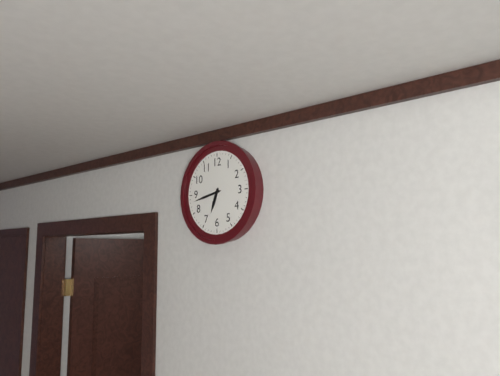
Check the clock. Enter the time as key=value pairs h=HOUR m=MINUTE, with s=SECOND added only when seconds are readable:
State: h=6 m=43
